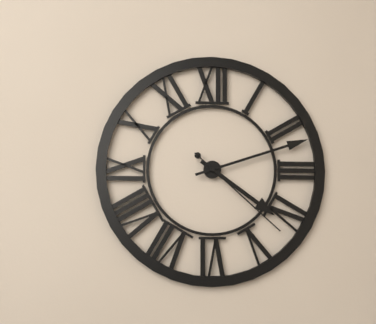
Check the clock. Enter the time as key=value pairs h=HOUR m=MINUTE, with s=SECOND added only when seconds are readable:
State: h=4 m=12 s=22
